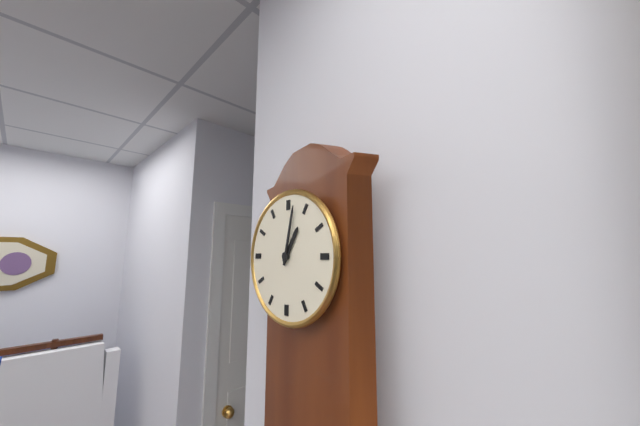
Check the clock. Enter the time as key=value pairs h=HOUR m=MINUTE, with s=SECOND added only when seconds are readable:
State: h=1 m=2
